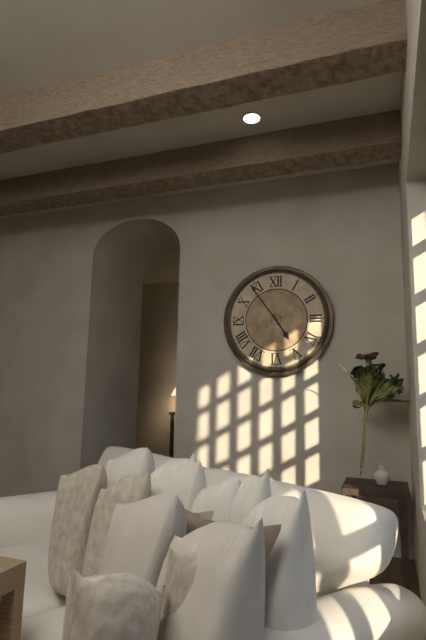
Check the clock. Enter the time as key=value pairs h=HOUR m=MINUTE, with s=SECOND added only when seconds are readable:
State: h=4 m=54
